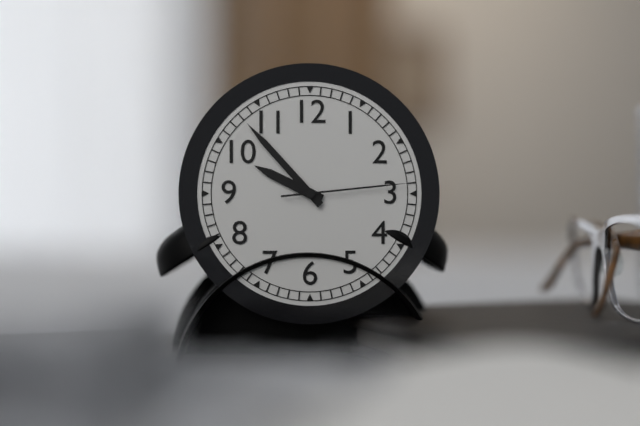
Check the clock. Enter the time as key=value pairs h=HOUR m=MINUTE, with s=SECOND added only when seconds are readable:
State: h=9 m=53 s=14
